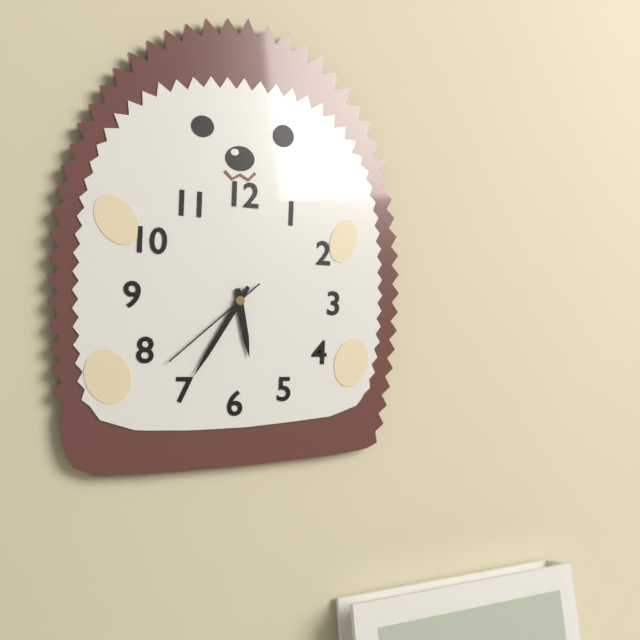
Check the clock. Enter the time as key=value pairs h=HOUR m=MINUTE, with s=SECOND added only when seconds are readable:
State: h=5 m=35 s=38
